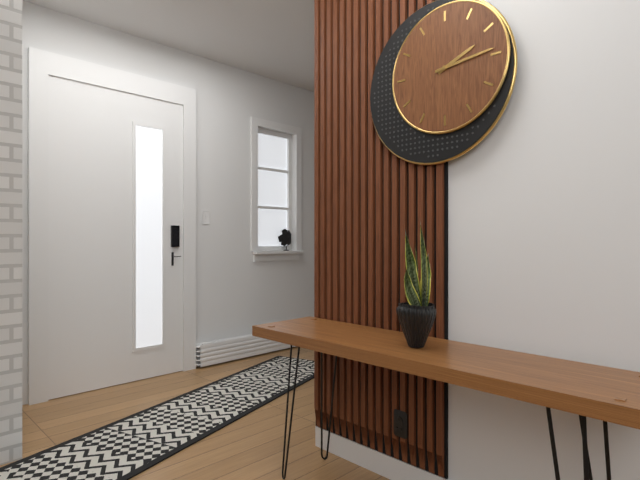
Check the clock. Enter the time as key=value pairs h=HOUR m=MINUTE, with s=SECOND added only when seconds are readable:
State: h=2 m=14
